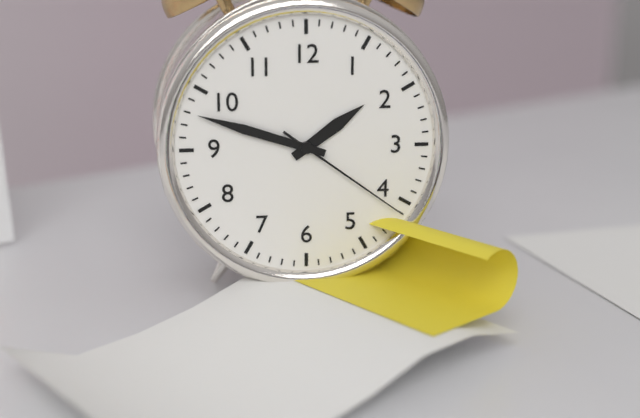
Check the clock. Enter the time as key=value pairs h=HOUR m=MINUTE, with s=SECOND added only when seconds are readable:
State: h=1 m=48 s=21
